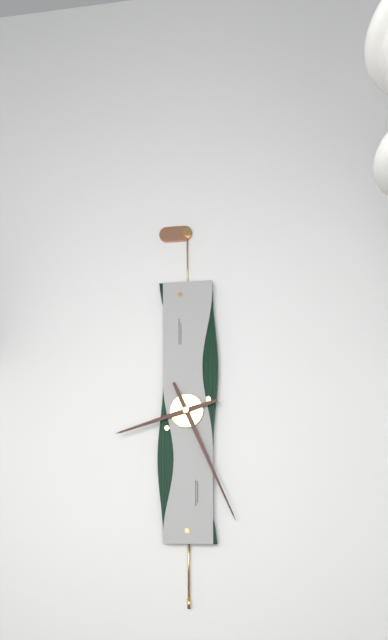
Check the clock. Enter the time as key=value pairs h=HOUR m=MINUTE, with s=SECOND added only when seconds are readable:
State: h=8 m=26
